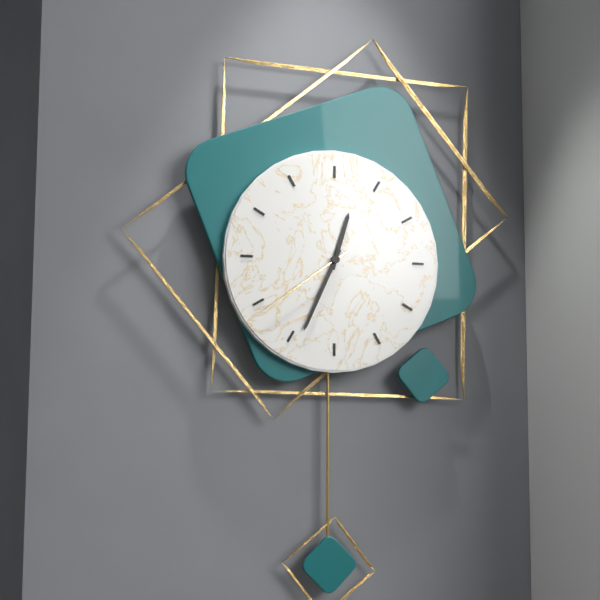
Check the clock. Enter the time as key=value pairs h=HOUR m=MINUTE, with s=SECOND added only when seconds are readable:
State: h=12 m=34 s=39
